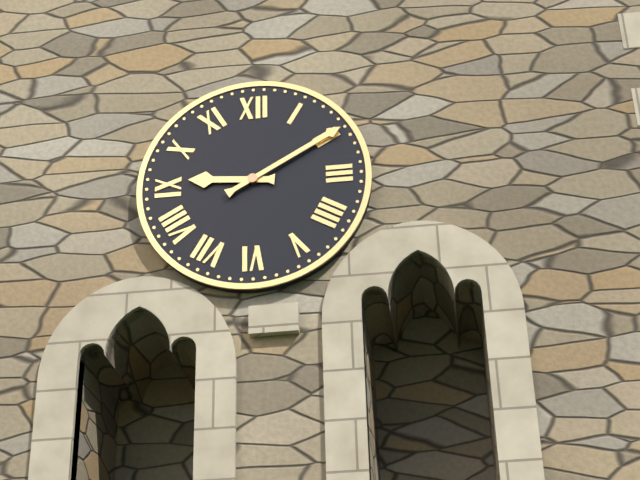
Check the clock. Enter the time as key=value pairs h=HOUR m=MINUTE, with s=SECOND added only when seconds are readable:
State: h=9 m=10
